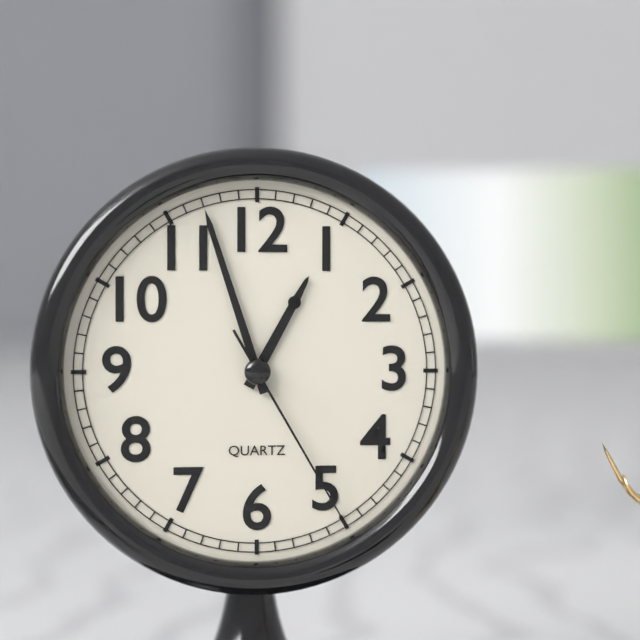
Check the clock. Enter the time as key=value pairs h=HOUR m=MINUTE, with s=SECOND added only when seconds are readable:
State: h=12 m=57 s=25
